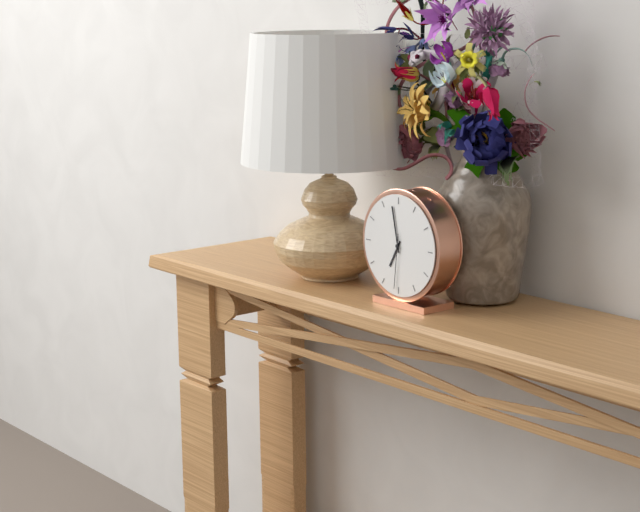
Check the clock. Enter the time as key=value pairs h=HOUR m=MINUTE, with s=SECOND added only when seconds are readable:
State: h=6 m=58 s=31
